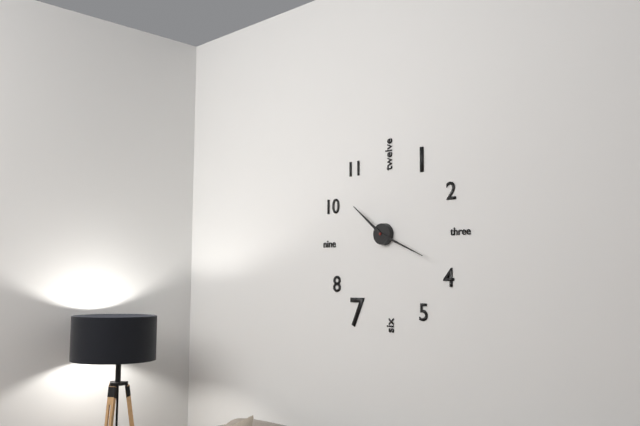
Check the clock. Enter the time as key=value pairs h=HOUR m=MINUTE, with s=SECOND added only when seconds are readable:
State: h=10 m=19
